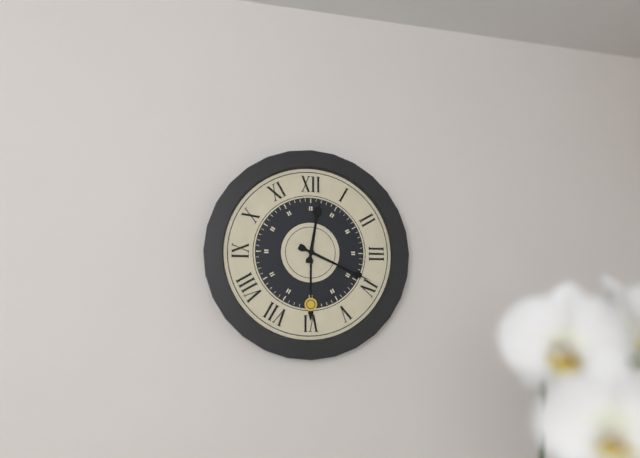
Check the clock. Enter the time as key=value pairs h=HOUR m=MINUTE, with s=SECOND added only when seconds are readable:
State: h=12 m=19
